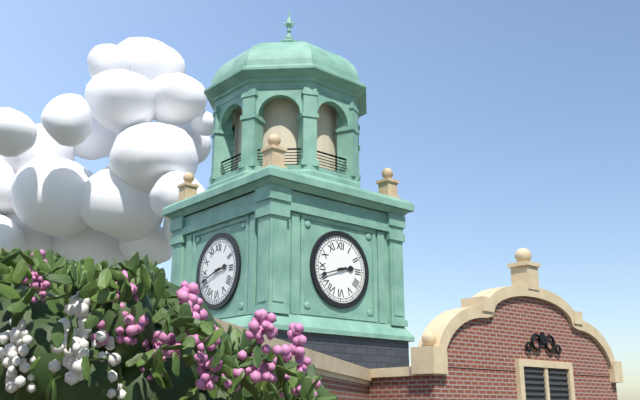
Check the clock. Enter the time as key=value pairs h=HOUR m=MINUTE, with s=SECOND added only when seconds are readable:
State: h=2 m=42
